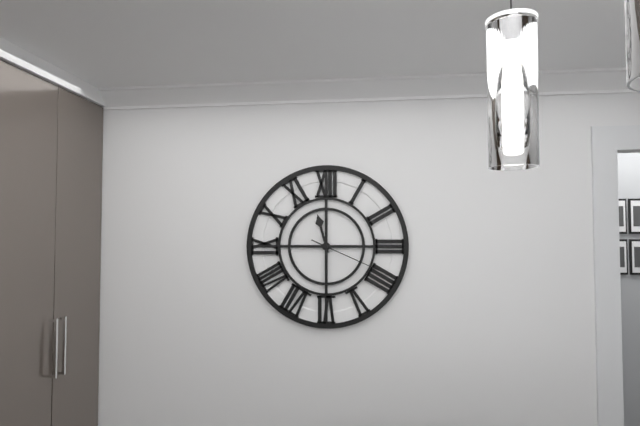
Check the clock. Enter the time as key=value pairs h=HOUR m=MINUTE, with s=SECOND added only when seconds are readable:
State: h=11 m=30 s=19
